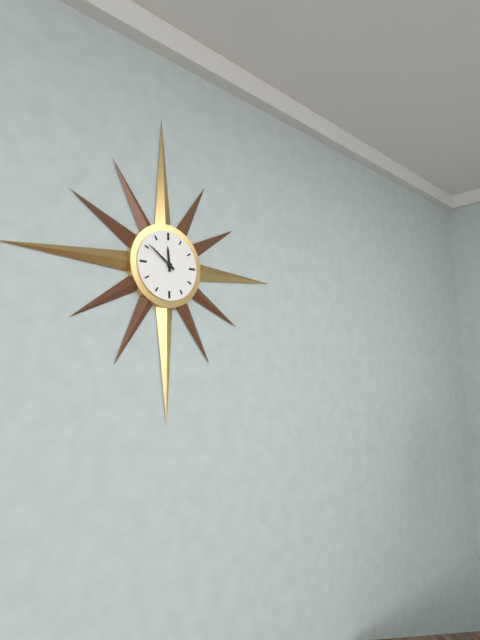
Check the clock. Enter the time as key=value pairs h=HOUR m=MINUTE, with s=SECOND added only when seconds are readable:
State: h=11 m=51
